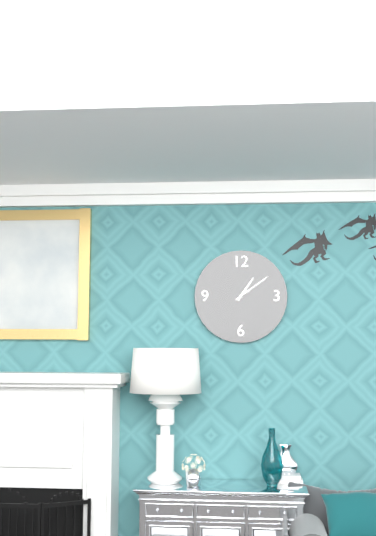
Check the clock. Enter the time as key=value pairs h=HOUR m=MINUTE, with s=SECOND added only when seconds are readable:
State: h=1 m=9
